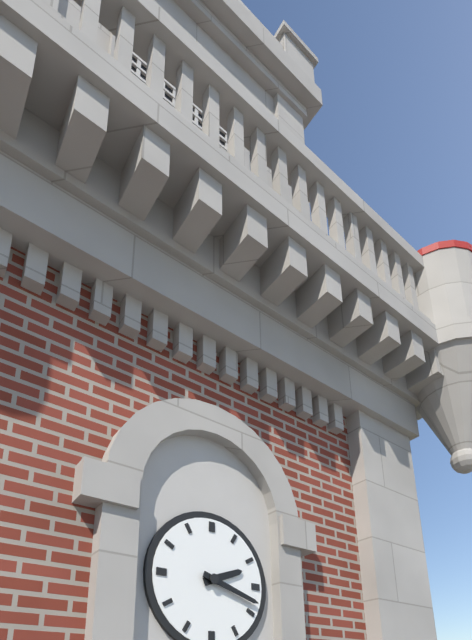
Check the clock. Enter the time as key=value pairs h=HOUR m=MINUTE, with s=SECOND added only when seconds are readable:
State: h=2 m=18
